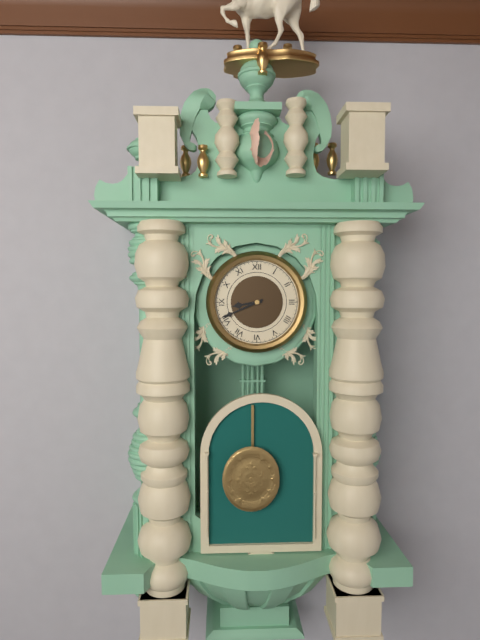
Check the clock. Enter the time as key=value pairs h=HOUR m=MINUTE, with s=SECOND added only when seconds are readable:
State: h=8 m=41
